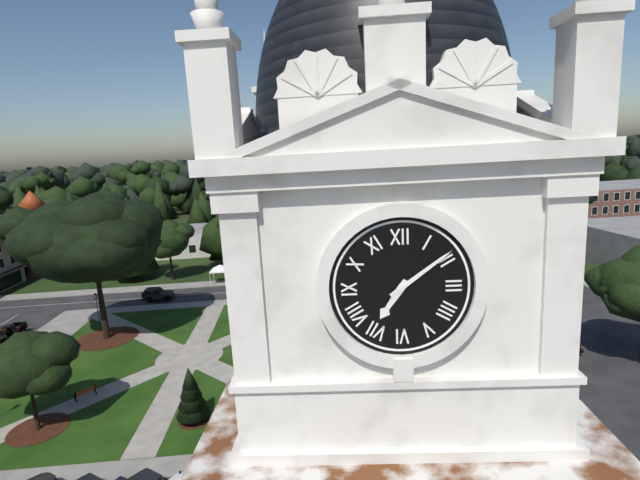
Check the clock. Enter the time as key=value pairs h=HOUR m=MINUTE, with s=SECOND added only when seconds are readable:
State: h=7 m=9
